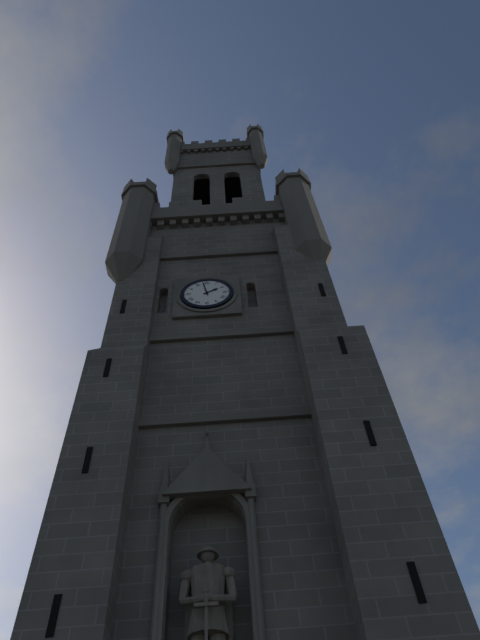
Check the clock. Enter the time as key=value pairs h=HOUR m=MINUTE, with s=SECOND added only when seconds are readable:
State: h=1 m=58
